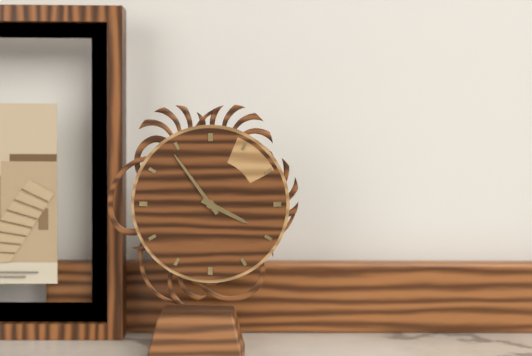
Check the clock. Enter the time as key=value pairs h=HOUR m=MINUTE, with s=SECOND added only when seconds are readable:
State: h=3 m=54
